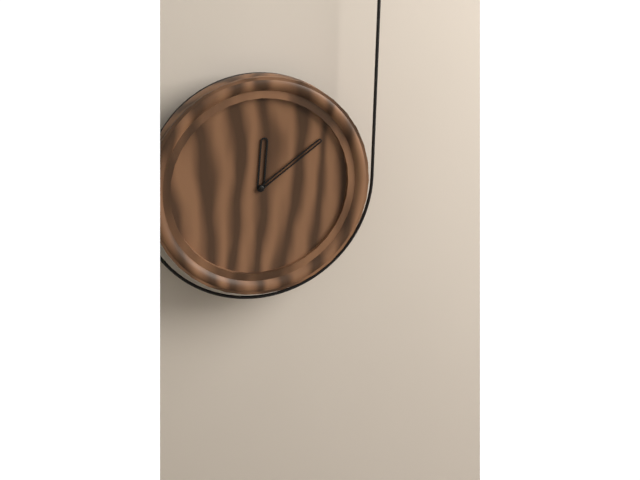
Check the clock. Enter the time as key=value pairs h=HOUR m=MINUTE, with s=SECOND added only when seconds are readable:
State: h=12 m=9
